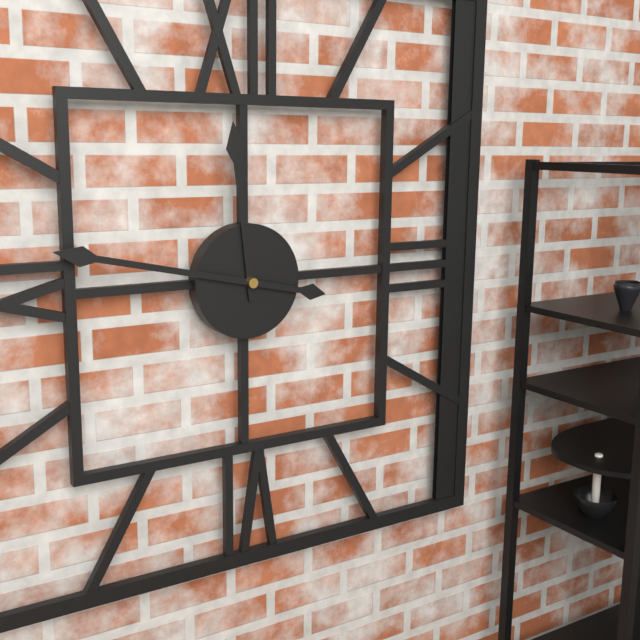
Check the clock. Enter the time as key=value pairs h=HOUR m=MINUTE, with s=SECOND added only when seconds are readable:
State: h=11 m=47
